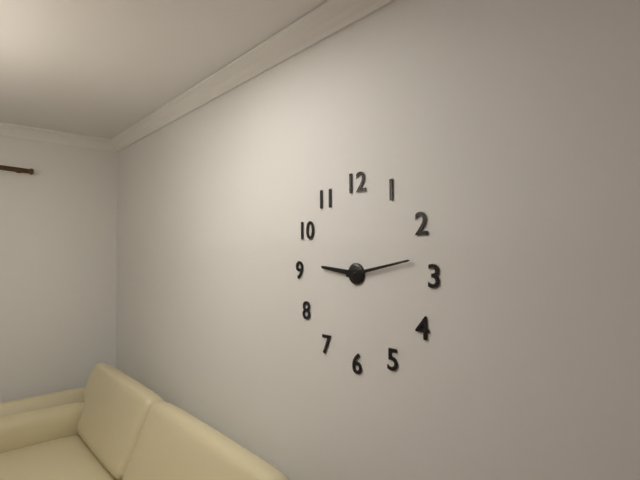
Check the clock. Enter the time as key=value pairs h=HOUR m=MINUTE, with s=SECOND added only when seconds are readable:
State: h=9 m=13
